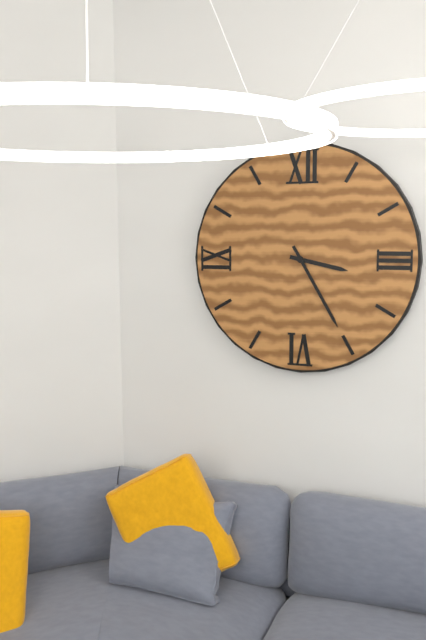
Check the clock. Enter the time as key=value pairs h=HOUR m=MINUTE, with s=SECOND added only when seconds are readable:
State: h=3 m=25
